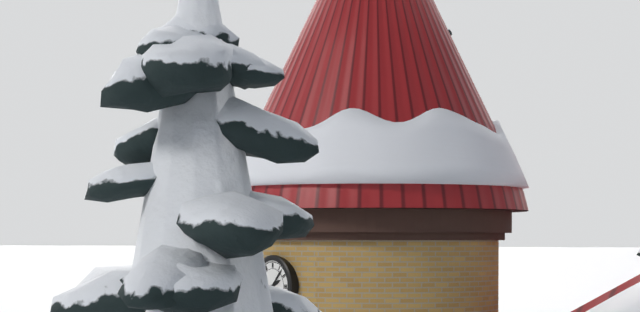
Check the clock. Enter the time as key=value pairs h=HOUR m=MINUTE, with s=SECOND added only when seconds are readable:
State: h=2 m=7
